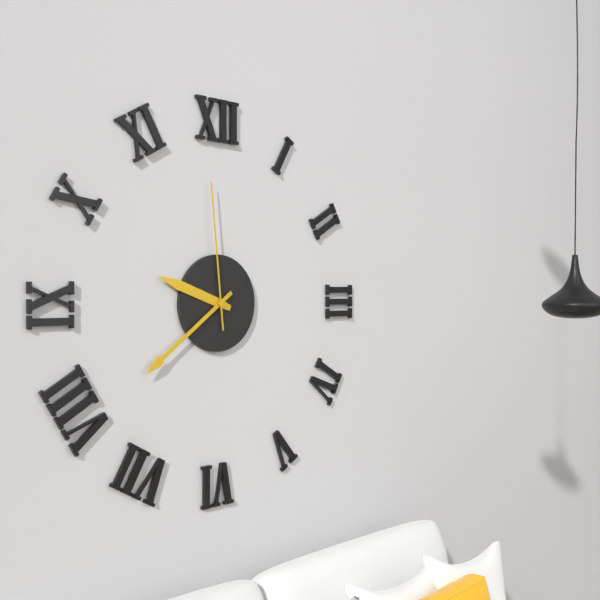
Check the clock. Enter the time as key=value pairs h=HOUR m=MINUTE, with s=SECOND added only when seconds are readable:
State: h=9 m=39 s=59
